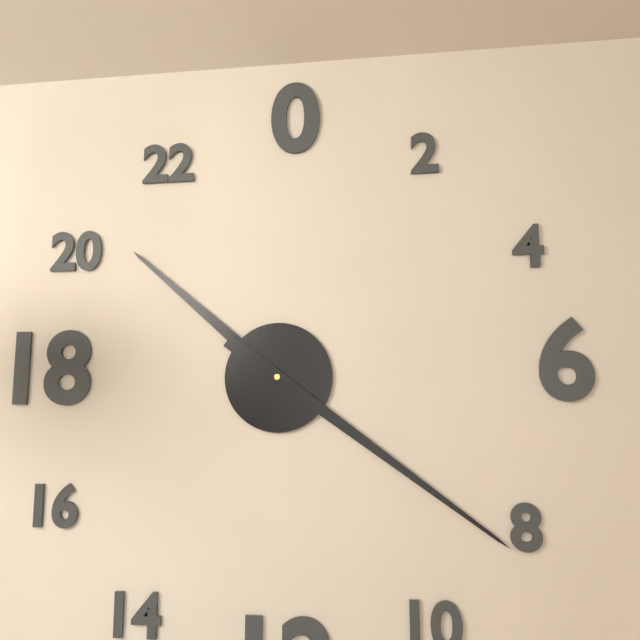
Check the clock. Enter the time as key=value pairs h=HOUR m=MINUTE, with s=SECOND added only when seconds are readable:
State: h=10 m=21
